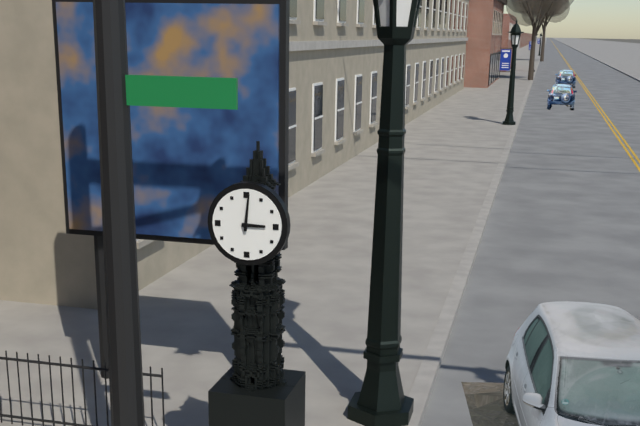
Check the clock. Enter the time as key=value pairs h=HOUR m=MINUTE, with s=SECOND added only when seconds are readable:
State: h=3 m=1
